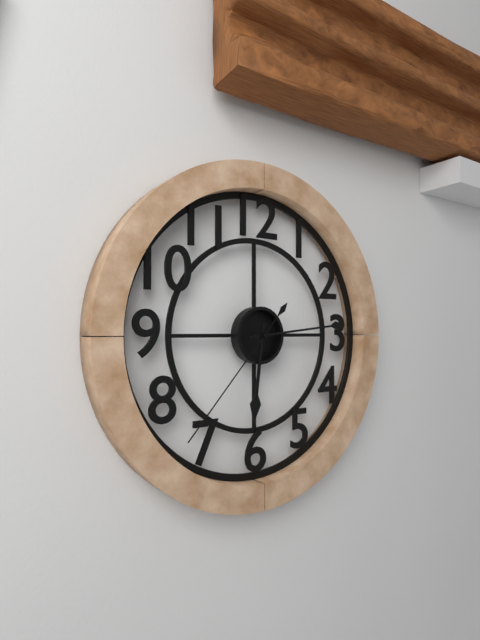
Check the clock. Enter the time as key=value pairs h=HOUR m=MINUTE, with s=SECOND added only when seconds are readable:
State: h=6 m=14 s=37
